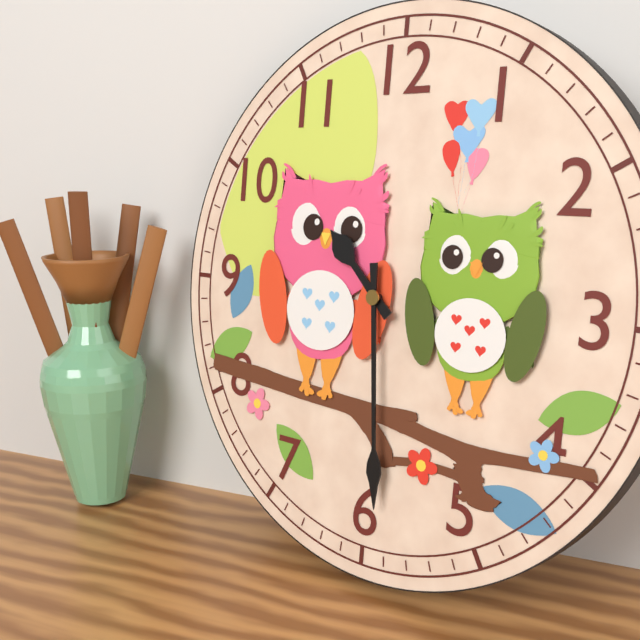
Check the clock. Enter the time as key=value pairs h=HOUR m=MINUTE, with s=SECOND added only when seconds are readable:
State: h=10 m=29
